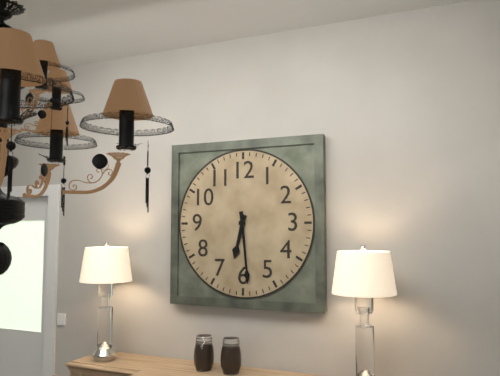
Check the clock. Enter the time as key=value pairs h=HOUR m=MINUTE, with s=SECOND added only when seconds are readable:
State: h=6 m=29
